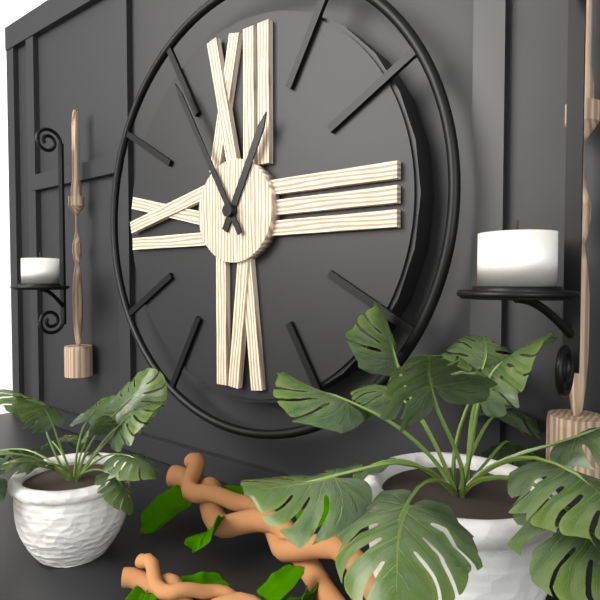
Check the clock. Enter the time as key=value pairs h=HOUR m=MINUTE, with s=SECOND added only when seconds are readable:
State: h=12 m=55
